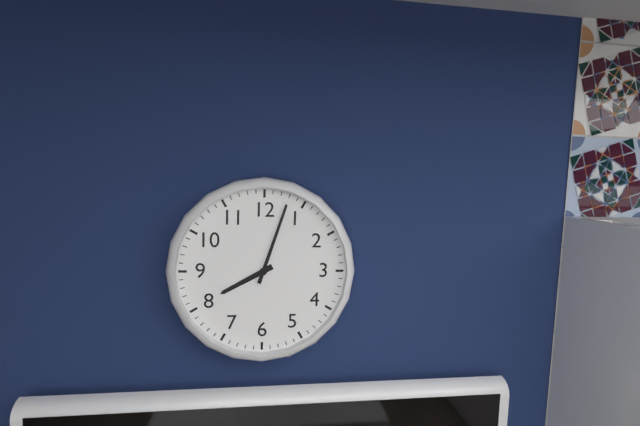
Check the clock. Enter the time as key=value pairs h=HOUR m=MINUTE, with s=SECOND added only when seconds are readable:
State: h=8 m=3
